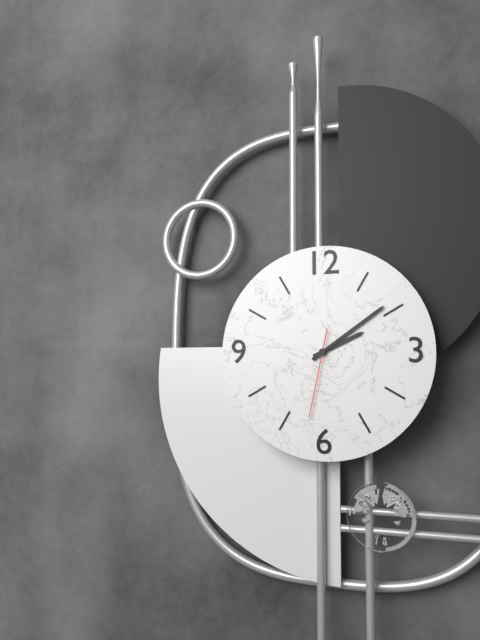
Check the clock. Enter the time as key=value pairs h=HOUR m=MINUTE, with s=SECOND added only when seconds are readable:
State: h=2 m=9 s=32
